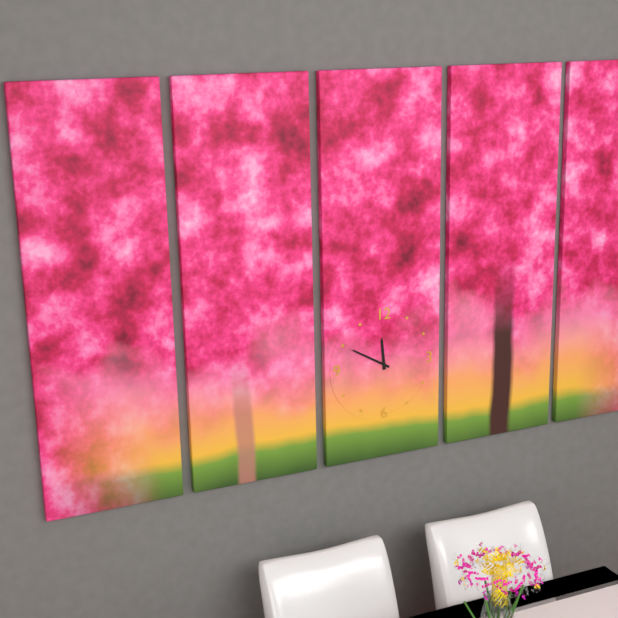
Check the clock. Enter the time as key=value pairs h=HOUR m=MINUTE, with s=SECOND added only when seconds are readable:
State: h=11 m=50
